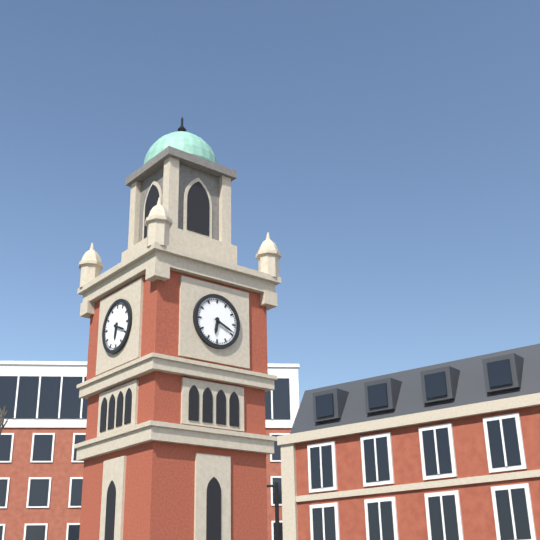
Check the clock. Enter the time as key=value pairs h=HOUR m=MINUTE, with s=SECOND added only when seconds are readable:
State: h=6 m=19
